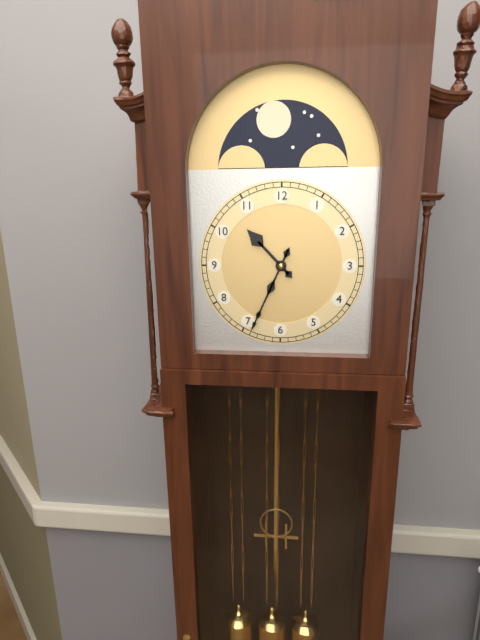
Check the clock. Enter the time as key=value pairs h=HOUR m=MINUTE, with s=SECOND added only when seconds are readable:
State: h=10 m=34
